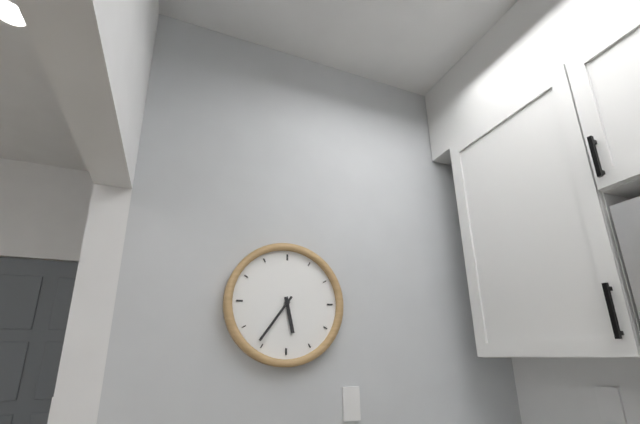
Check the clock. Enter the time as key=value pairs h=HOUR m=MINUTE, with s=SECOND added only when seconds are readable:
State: h=5 m=36
